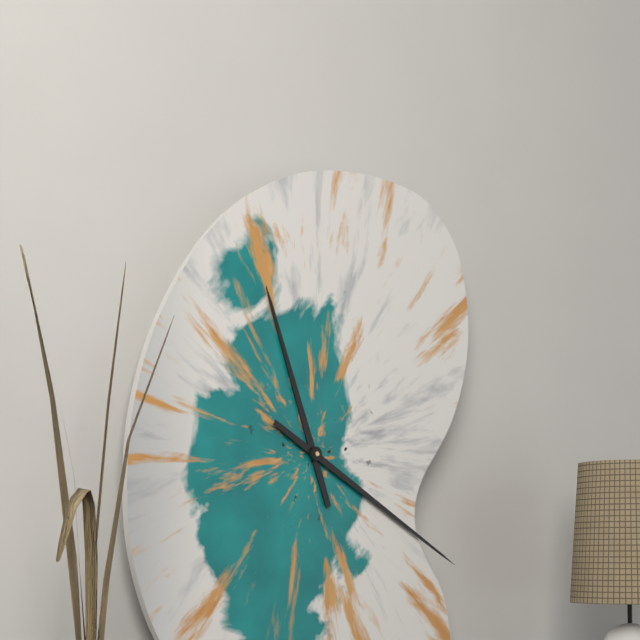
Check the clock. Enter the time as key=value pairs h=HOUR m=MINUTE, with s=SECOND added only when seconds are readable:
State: h=11 m=20
